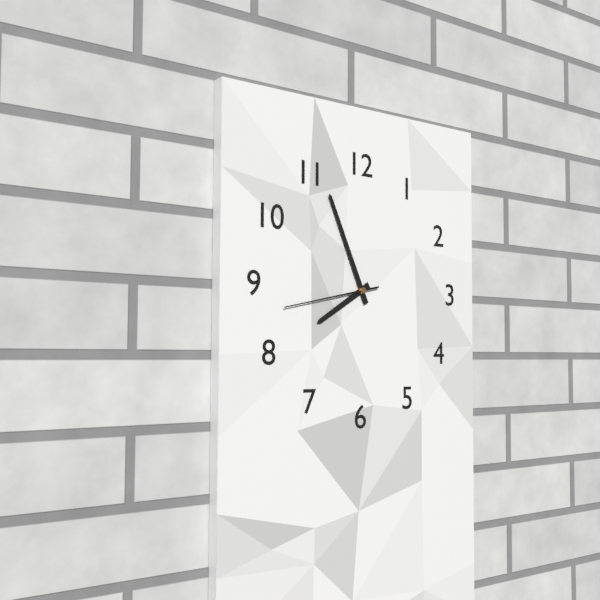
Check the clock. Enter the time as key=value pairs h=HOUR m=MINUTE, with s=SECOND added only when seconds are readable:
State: h=7 m=56 s=43
